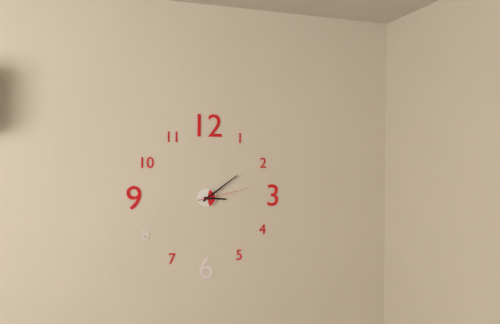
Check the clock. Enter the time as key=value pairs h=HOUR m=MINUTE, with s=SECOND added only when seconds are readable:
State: h=3 m=9 s=13
